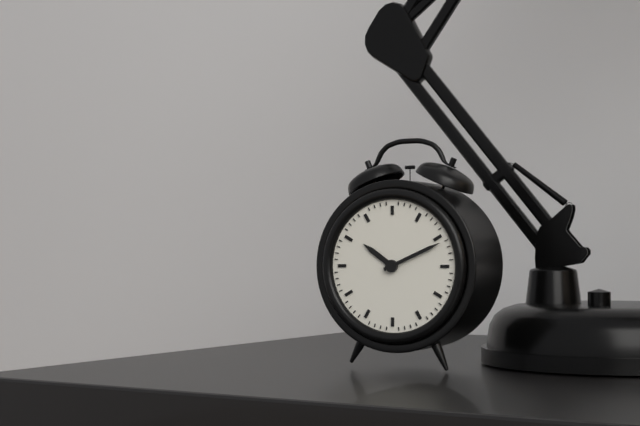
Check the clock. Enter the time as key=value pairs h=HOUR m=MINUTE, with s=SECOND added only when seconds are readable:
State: h=10 m=11
